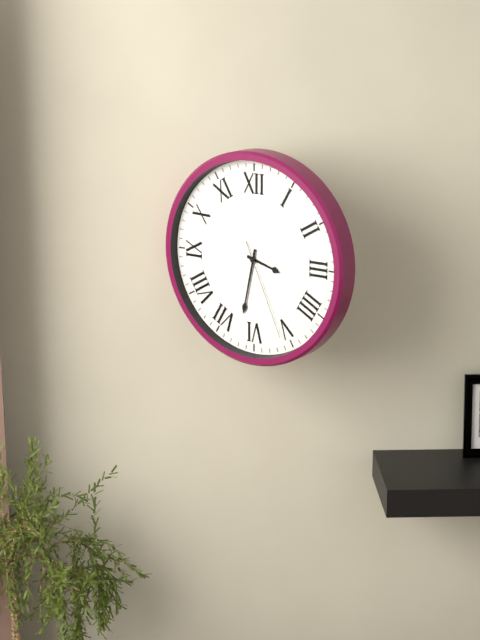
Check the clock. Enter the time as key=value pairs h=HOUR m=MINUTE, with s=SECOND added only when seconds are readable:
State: h=3 m=32 s=26
